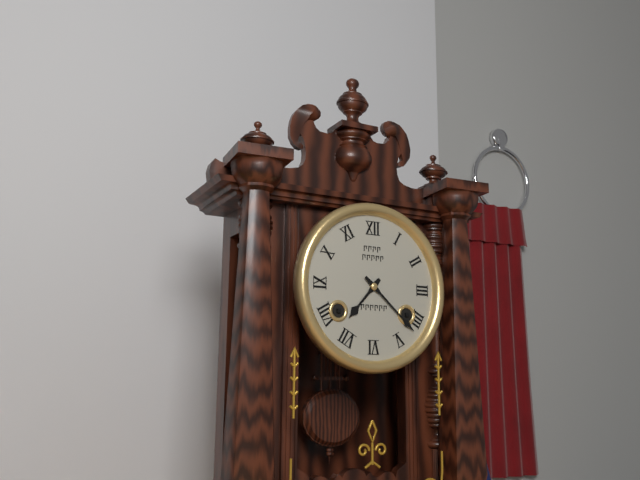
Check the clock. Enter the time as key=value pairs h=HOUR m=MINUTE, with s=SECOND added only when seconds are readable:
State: h=7 m=22
